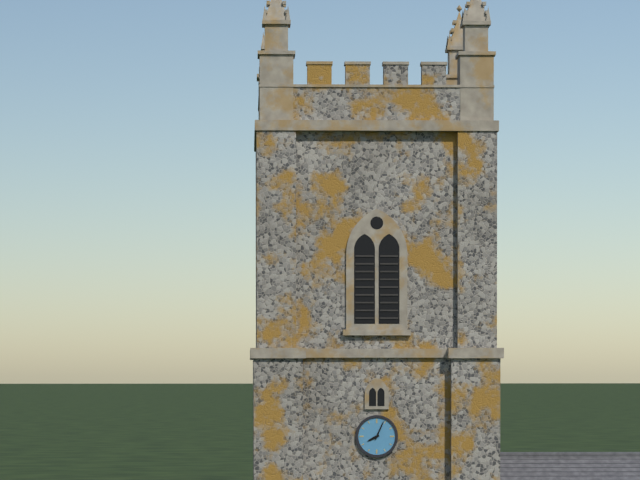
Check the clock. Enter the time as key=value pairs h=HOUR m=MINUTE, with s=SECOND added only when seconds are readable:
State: h=8 m=4
